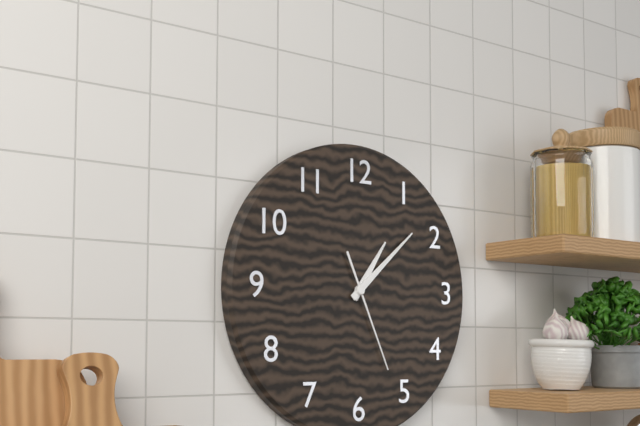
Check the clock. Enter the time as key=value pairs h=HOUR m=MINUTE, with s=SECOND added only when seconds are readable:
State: h=1 m=8 s=26
